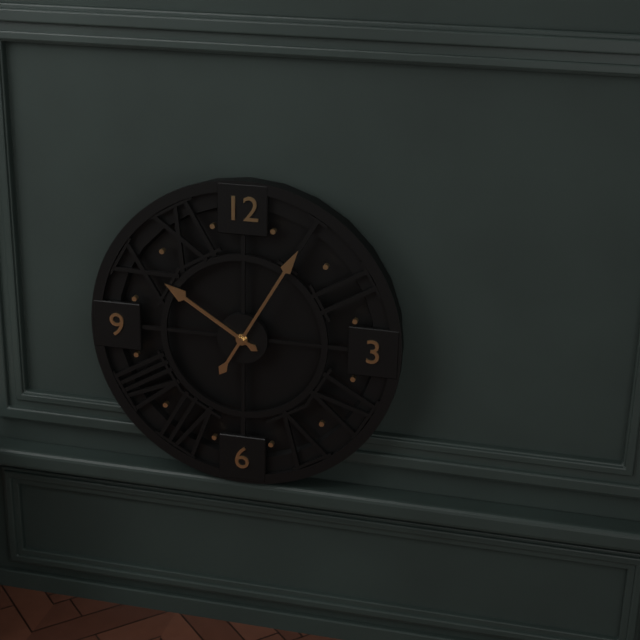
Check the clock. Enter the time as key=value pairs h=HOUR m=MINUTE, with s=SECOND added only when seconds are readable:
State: h=10 m=5
